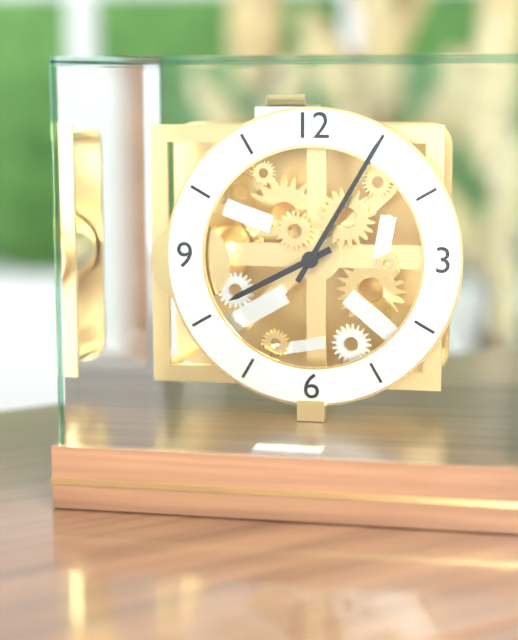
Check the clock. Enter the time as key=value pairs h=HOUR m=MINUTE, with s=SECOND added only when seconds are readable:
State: h=8 m=5
